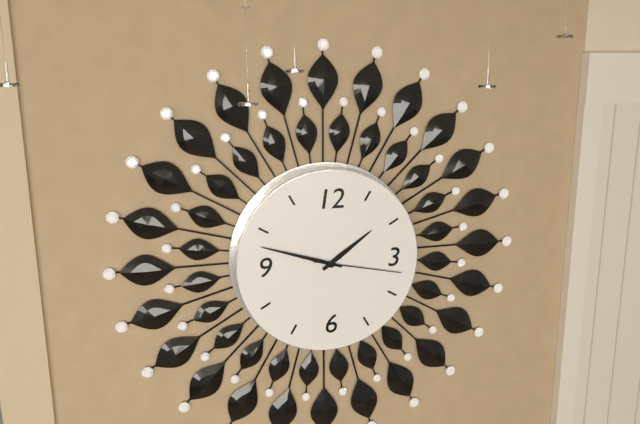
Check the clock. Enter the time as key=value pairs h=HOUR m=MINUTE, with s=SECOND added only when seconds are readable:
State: h=1 m=48 s=17
